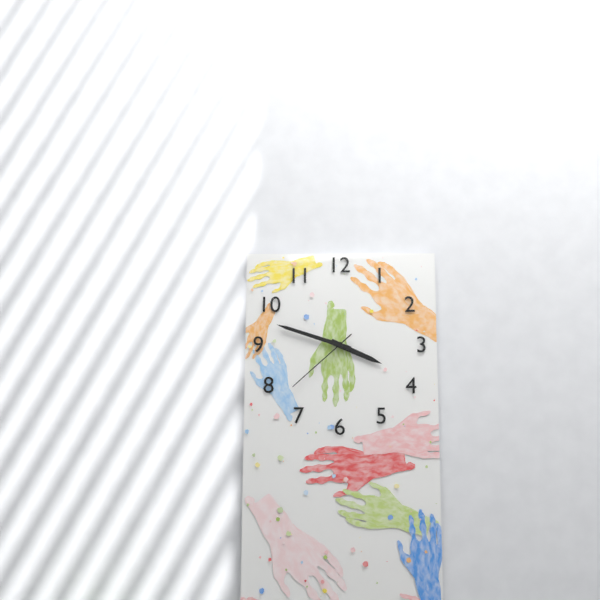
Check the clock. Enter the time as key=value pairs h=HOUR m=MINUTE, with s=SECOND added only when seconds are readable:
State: h=3 m=48 s=38
